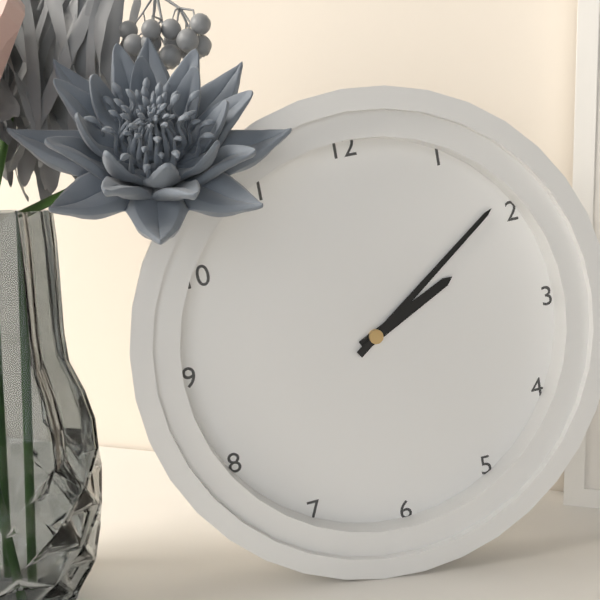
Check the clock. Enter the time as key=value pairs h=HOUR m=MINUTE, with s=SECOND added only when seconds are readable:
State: h=2 m=9
